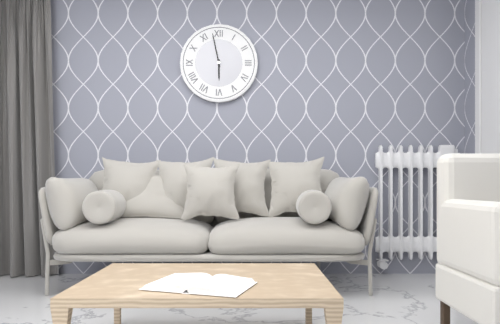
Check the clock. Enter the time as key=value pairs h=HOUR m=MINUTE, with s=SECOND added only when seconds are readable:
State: h=5 m=58
